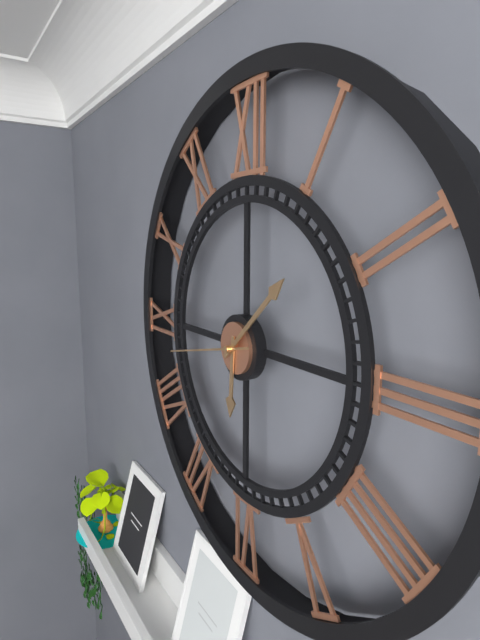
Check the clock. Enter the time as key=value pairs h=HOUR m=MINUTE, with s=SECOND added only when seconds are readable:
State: h=6 m=8 s=43
